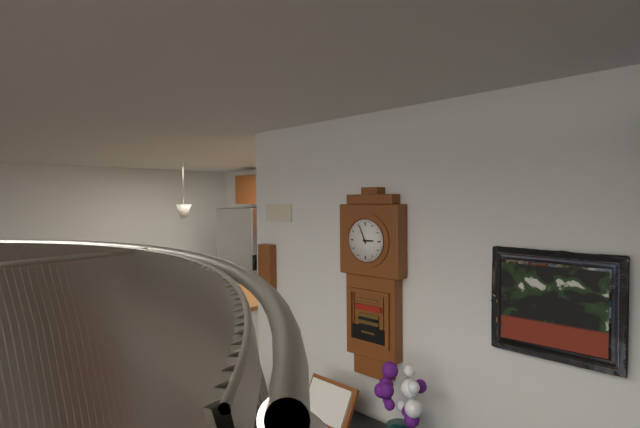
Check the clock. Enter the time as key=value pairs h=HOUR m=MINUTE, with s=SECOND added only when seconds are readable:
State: h=2 m=56
